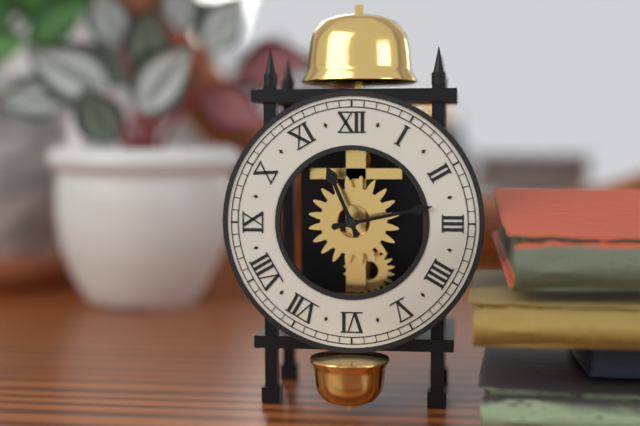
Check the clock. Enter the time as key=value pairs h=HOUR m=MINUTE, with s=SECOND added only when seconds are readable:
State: h=11 m=13
